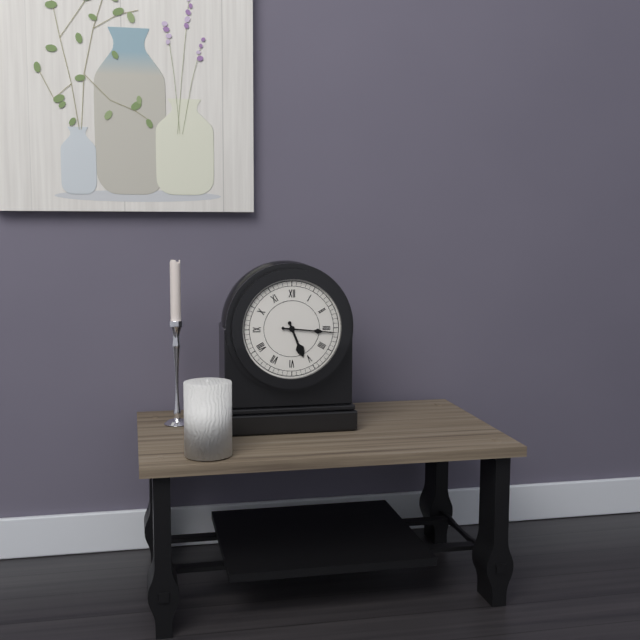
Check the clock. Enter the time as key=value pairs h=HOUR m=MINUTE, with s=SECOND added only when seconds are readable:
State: h=5 m=16
